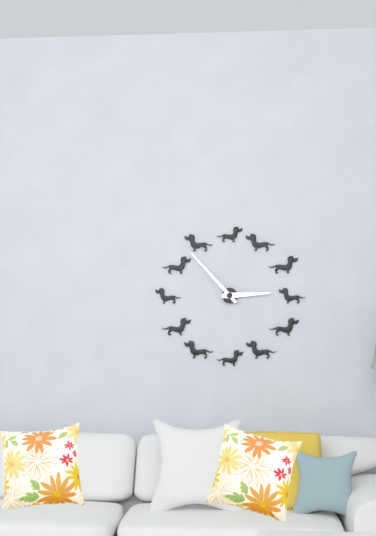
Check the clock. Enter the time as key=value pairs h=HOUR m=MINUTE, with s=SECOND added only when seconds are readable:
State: h=2 m=53
